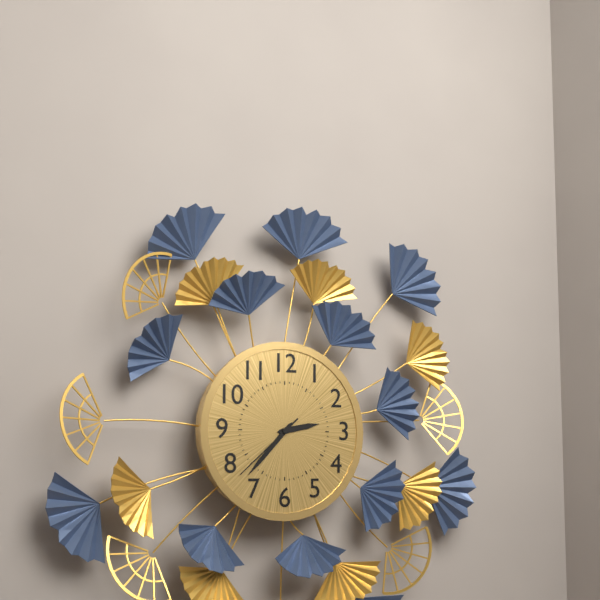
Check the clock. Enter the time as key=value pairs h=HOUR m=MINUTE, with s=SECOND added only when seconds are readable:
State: h=2 m=37 s=38
